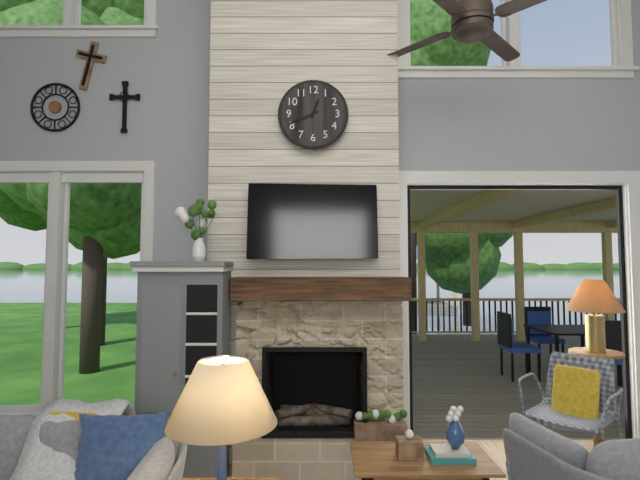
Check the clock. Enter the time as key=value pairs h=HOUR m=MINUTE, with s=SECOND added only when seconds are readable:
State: h=12 m=41
